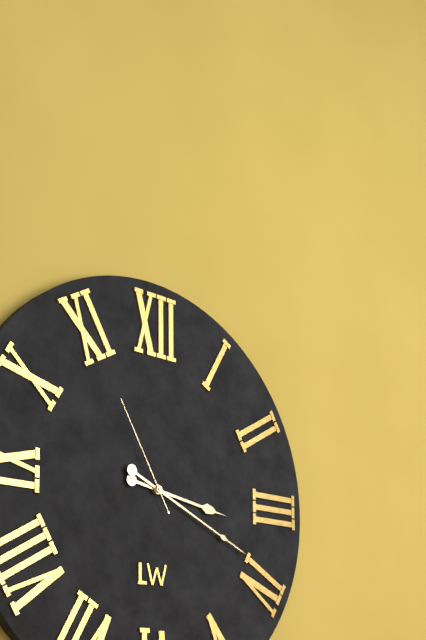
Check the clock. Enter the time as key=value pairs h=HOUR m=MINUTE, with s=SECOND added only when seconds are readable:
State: h=3 m=19 s=55
